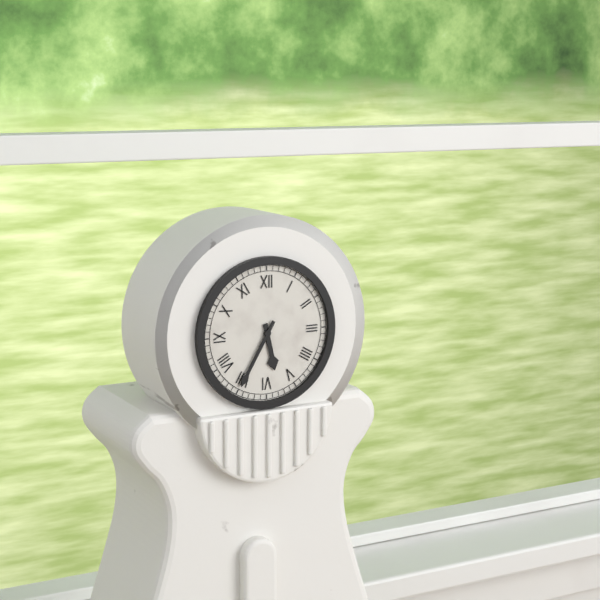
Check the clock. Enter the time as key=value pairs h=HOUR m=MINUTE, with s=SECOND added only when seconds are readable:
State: h=5 m=35
